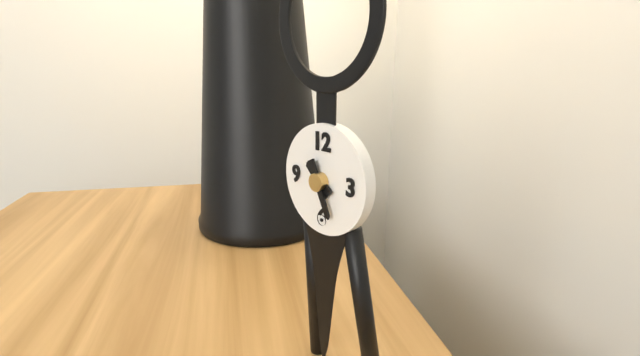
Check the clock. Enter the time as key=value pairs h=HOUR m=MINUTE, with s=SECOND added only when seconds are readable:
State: h=10 m=26
